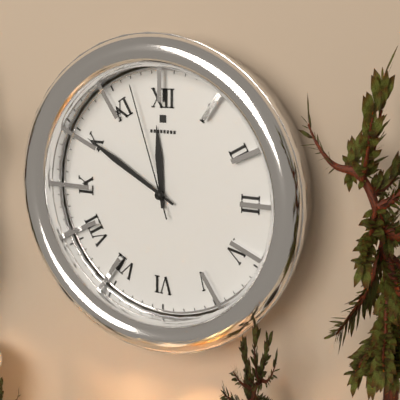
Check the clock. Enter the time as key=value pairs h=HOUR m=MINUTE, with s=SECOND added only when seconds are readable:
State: h=11 m=50 s=57
